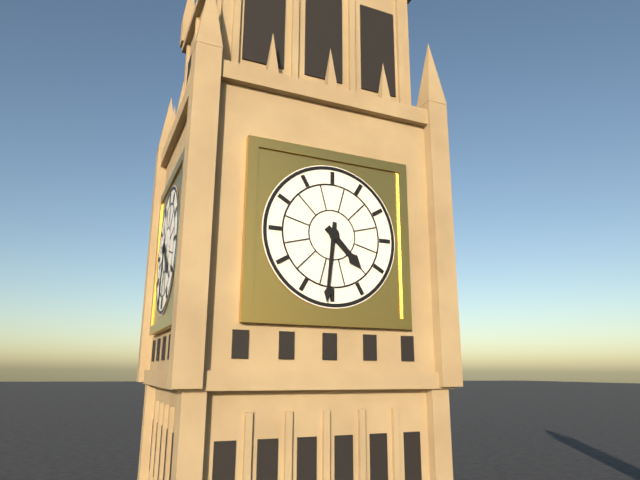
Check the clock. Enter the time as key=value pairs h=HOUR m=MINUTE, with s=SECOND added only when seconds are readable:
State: h=4 m=31
